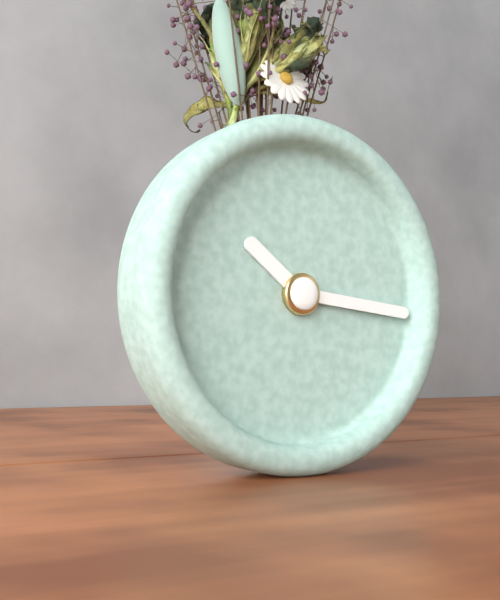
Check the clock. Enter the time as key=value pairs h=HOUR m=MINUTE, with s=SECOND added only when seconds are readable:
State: h=10 m=16
